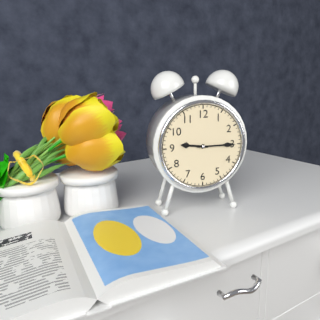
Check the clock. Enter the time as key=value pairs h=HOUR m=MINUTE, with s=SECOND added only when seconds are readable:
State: h=9 m=15
